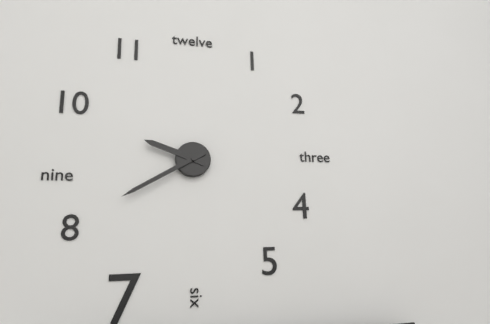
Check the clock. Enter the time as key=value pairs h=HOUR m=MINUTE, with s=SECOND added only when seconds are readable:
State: h=9 m=40
